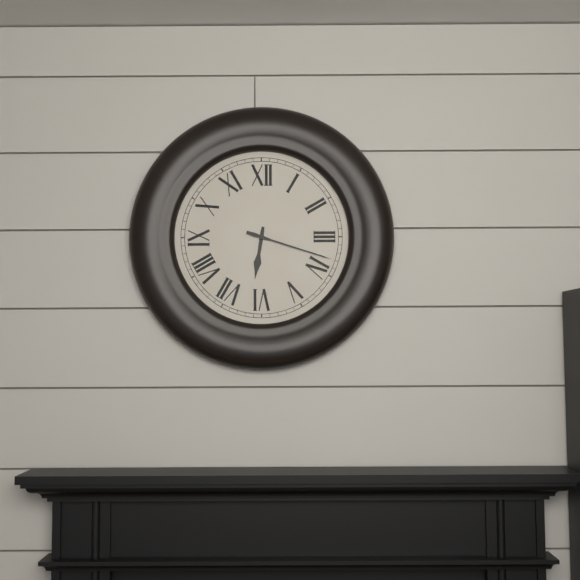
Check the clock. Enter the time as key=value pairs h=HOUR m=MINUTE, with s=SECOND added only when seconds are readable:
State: h=6 m=18
